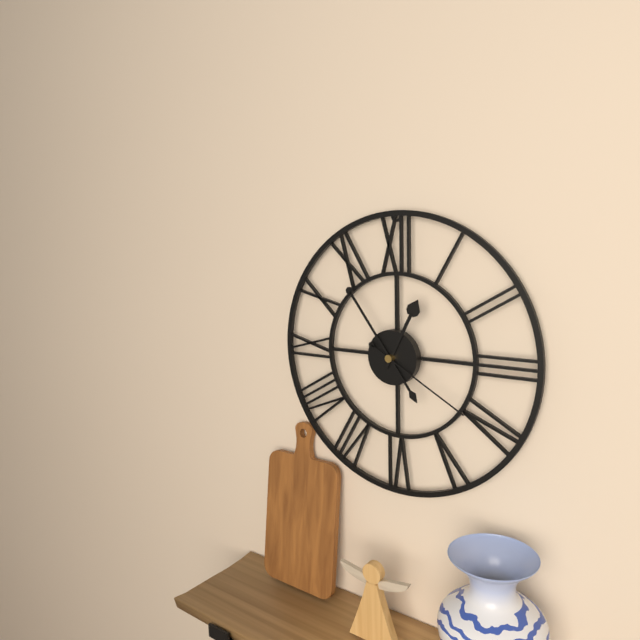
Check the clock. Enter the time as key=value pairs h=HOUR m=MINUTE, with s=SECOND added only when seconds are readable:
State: h=12 m=54 s=20
